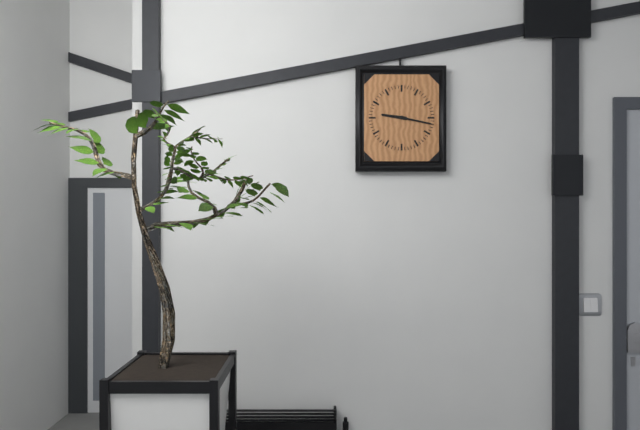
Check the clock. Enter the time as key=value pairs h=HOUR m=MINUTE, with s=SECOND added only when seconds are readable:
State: h=9 m=17
